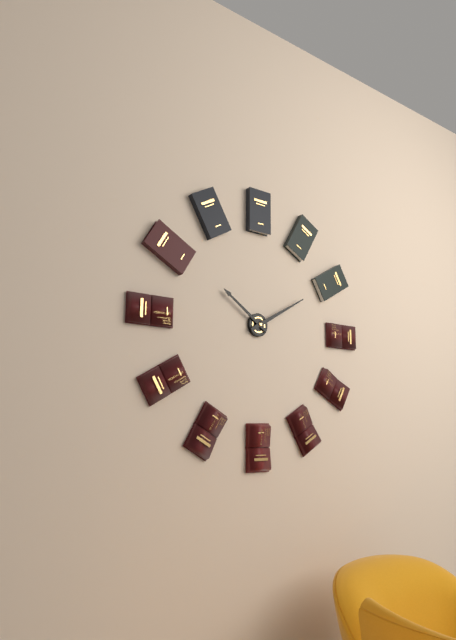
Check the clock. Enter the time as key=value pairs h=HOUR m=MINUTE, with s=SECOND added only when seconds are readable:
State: h=10 m=10
